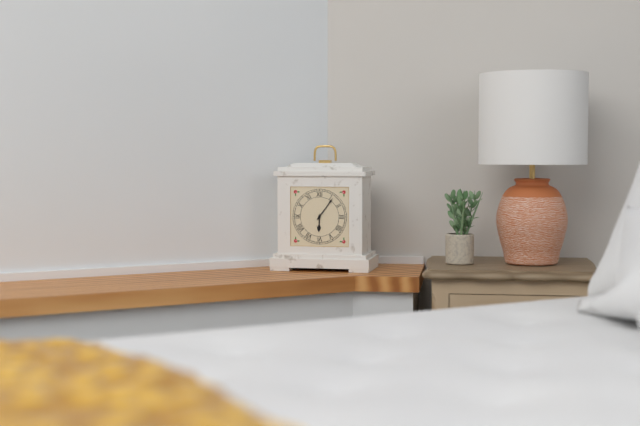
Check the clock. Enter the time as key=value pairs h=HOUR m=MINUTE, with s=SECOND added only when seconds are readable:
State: h=6 m=6
